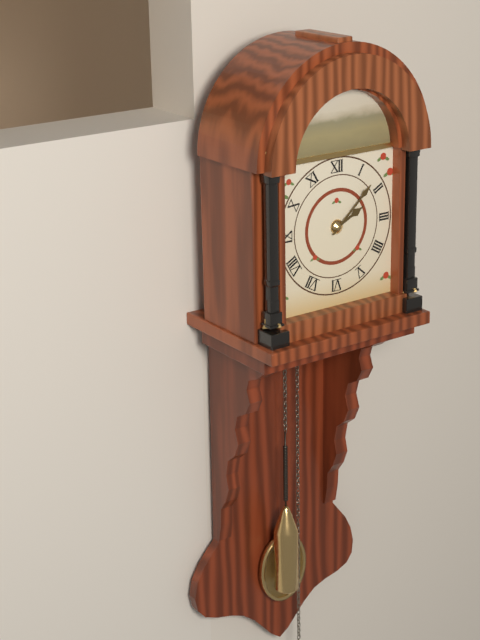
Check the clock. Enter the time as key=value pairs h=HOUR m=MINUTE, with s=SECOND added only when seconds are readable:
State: h=2 m=8
